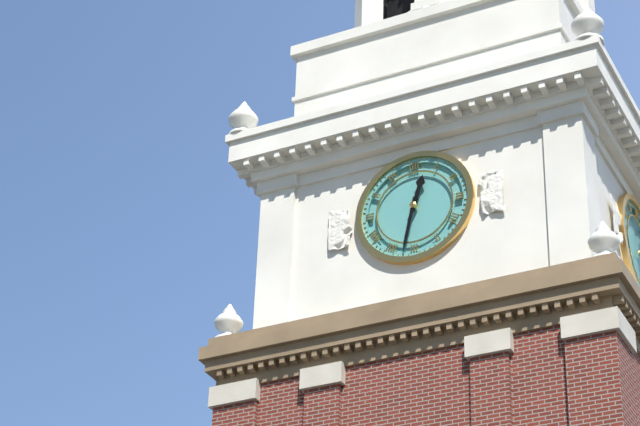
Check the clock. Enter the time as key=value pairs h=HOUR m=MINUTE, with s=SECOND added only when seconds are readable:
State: h=12 m=32
